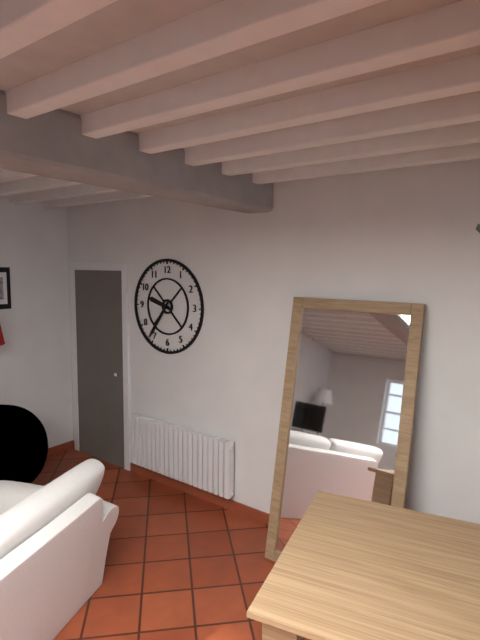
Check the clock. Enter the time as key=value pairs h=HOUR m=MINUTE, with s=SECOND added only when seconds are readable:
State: h=9 m=36
